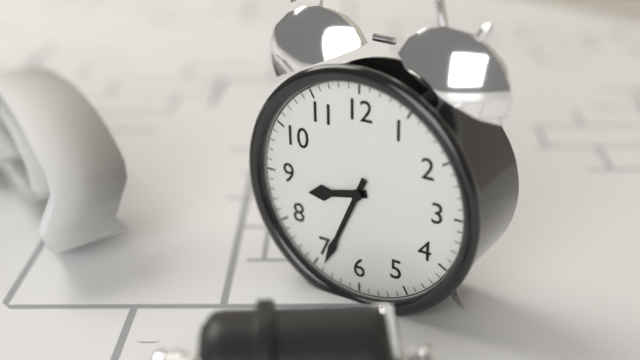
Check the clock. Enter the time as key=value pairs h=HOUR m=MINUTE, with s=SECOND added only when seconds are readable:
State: h=8 m=34
